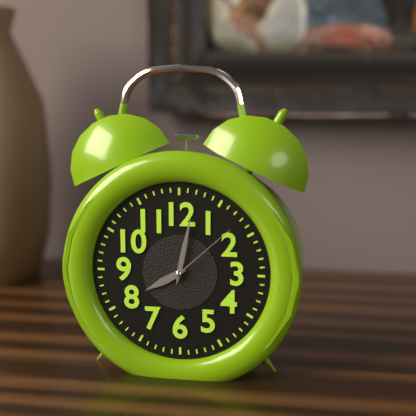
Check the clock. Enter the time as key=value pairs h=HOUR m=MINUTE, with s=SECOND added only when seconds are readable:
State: h=8 m=2 s=8
